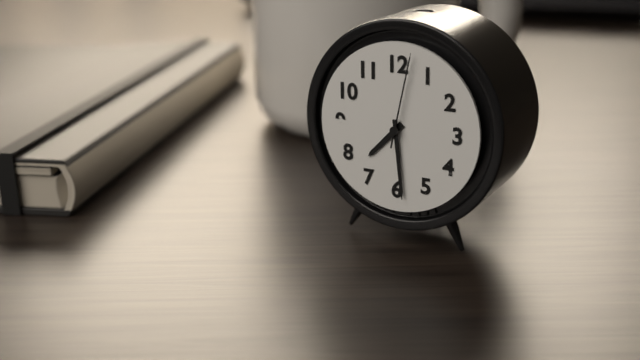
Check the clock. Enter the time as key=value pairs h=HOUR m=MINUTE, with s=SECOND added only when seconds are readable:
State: h=7 m=29 s=2
